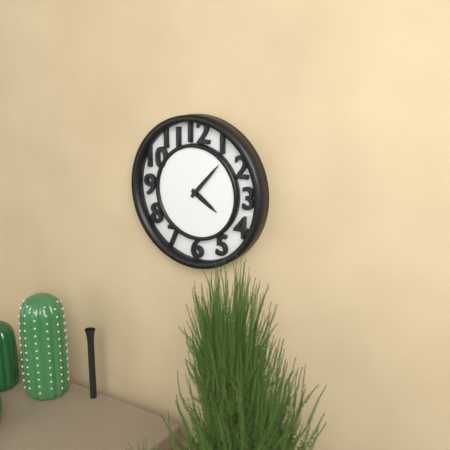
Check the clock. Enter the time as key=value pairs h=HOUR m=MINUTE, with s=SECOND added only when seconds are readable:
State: h=4 m=7
